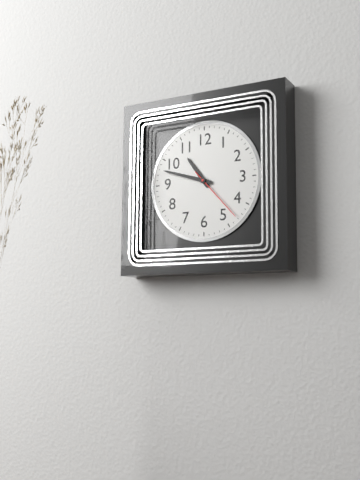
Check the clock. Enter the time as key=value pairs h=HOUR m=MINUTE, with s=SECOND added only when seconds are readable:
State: h=10 m=48 s=23
